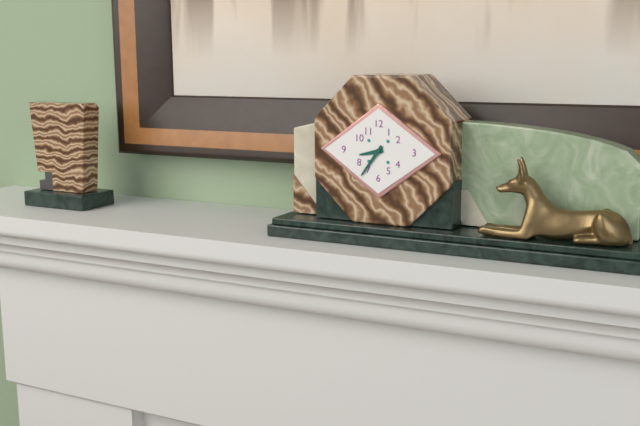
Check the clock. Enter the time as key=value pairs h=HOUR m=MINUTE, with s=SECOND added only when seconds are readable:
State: h=8 m=36
